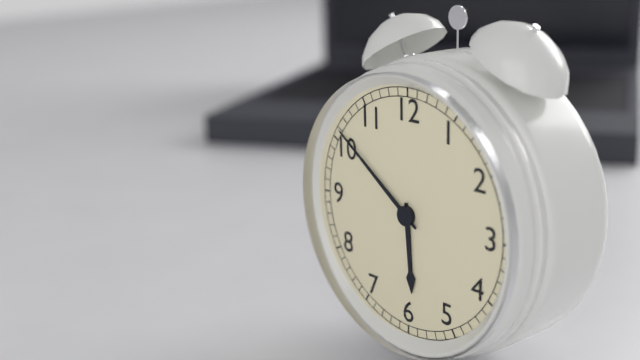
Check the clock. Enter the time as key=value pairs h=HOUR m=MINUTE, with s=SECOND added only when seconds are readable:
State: h=5 m=51
